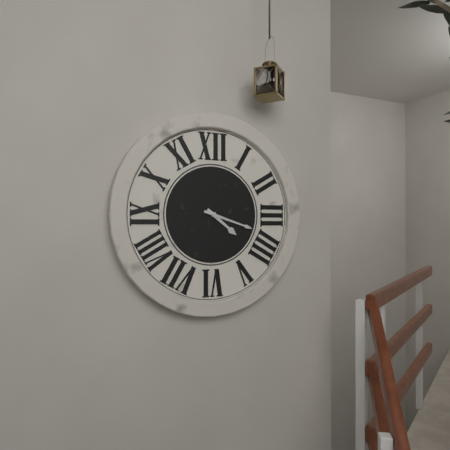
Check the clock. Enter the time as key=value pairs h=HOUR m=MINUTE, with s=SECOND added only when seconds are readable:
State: h=4 m=18
